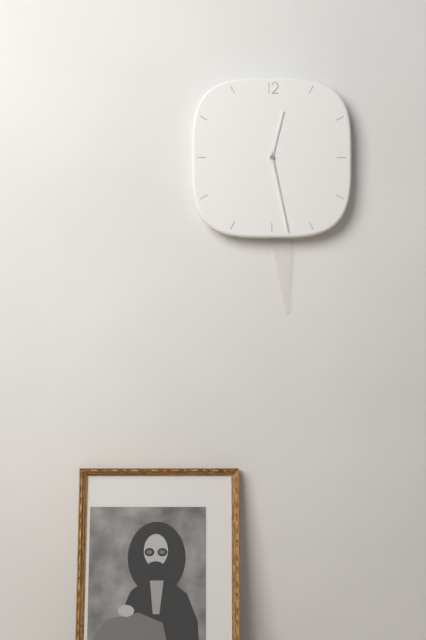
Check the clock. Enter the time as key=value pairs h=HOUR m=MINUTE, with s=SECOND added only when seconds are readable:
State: h=12 m=28
